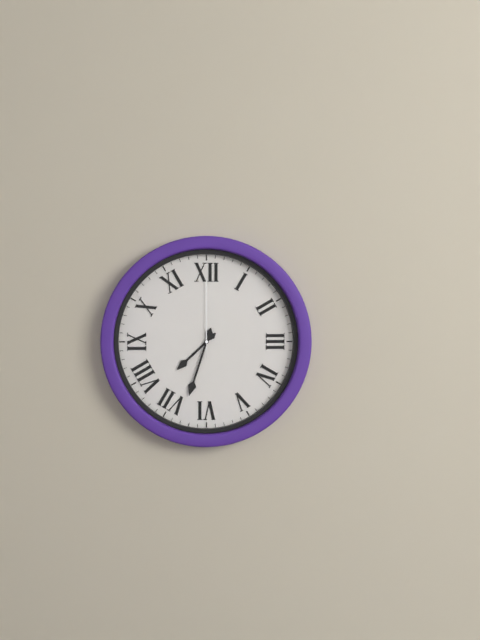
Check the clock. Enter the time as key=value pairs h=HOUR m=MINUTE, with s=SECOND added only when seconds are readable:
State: h=7 m=33 s=0
